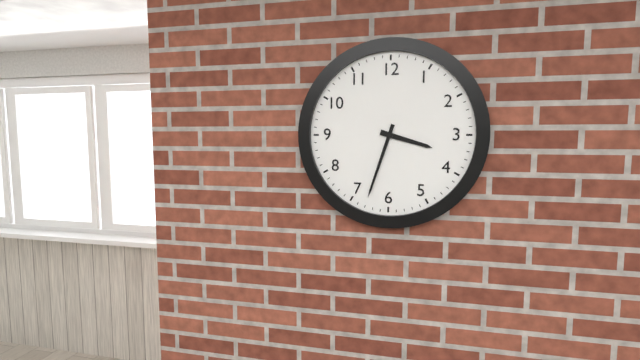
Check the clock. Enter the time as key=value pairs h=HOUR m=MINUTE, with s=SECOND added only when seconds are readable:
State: h=3 m=33
